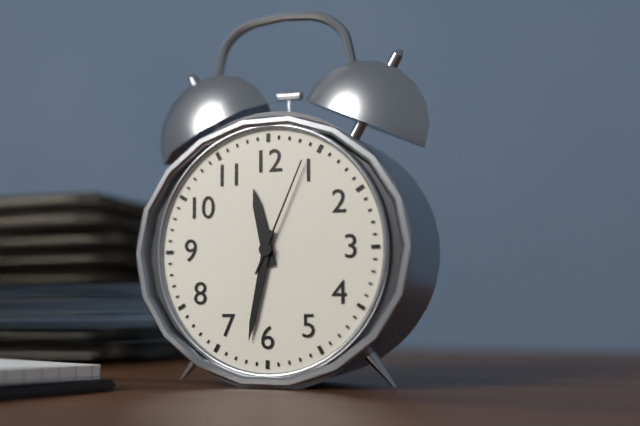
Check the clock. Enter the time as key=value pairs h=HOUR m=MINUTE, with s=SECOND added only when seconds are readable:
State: h=11 m=32 s=4
